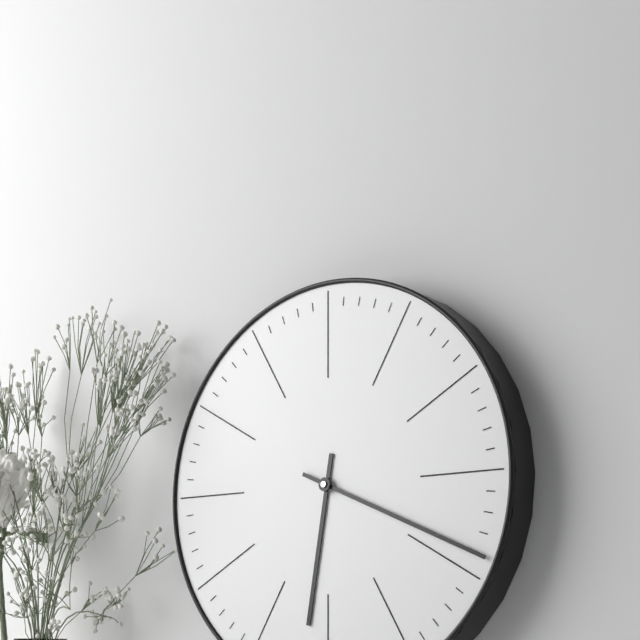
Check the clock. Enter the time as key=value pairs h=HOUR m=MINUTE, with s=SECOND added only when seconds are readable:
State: h=6 m=19
